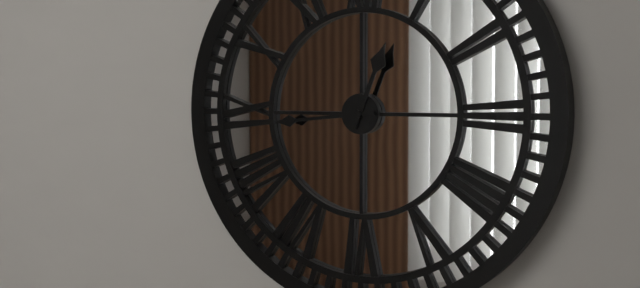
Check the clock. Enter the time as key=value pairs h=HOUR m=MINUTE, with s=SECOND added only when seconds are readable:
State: h=12 m=44
